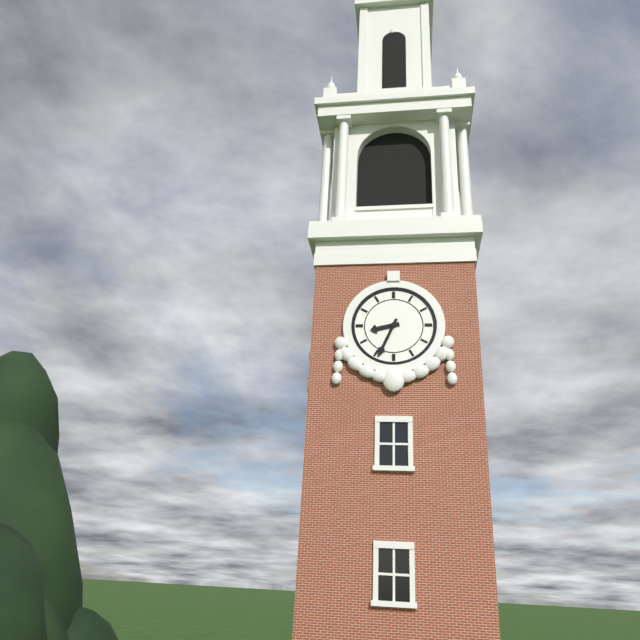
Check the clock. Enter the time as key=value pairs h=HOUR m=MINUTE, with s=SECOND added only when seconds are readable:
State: h=8 m=34
